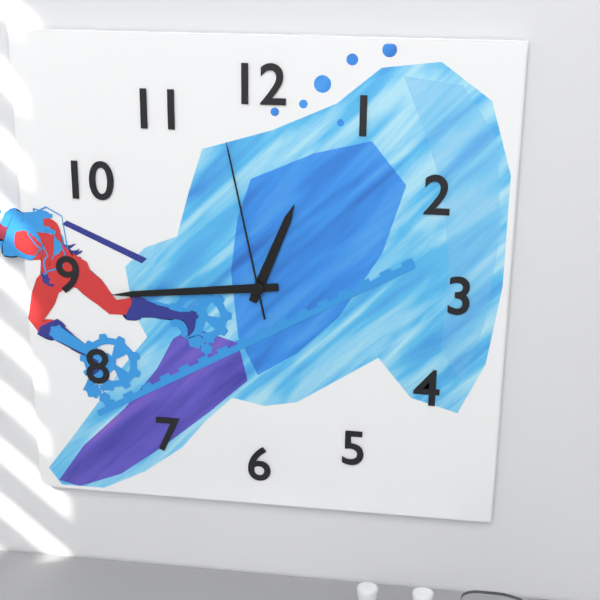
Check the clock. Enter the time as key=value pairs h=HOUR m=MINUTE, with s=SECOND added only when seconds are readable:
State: h=12 m=44 s=58
